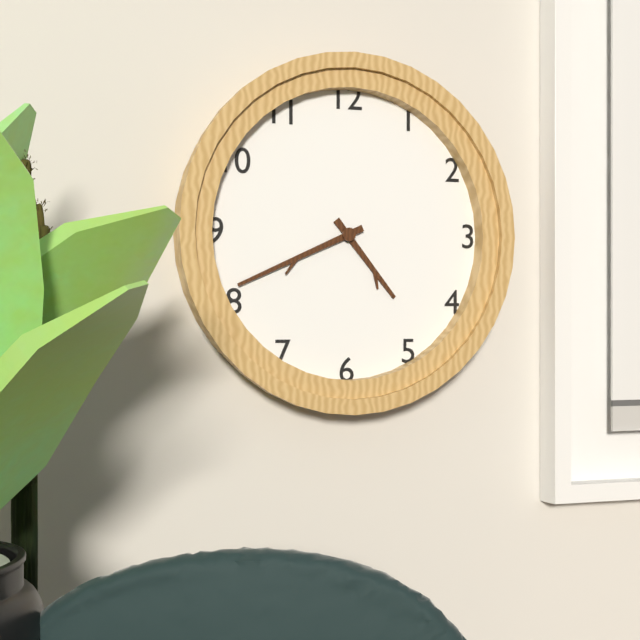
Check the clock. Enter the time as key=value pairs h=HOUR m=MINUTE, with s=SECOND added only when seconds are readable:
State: h=4 m=41
